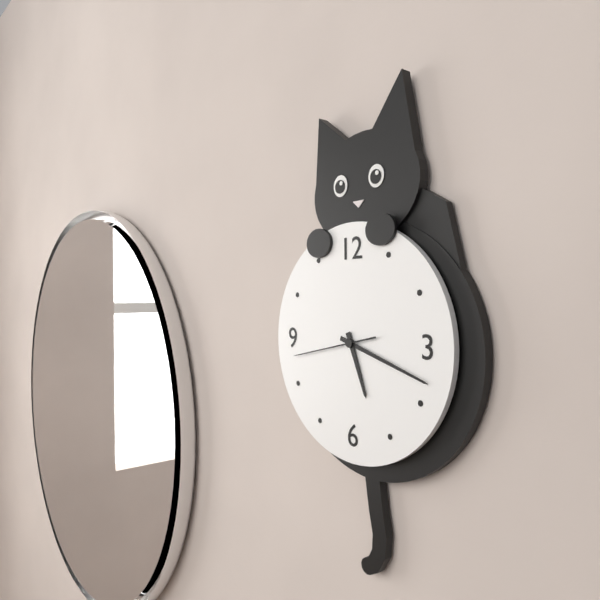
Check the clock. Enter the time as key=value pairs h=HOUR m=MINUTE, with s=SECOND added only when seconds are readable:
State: h=5 m=18 s=43
